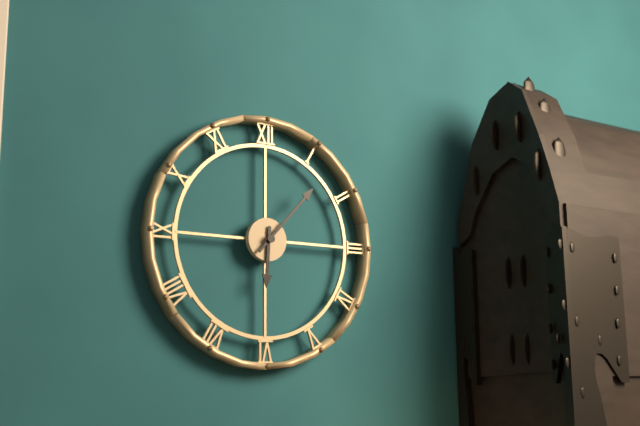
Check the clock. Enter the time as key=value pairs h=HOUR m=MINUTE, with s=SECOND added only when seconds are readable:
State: h=6 m=7
